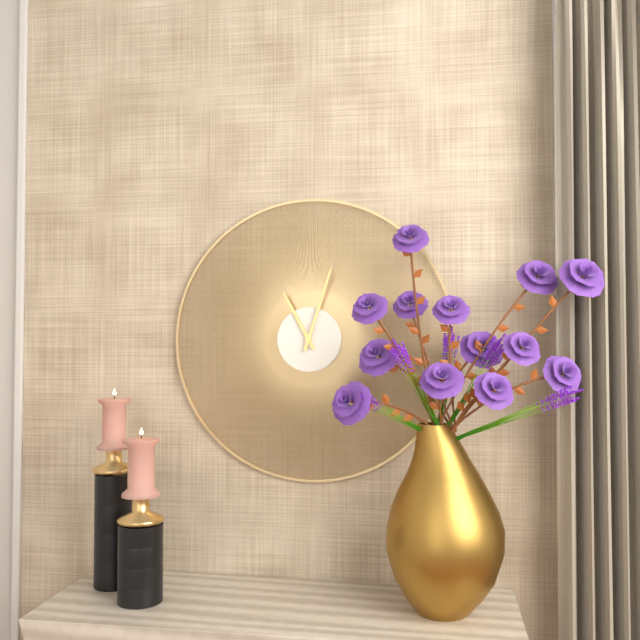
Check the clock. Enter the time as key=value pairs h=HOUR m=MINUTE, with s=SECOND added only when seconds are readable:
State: h=11 m=3
